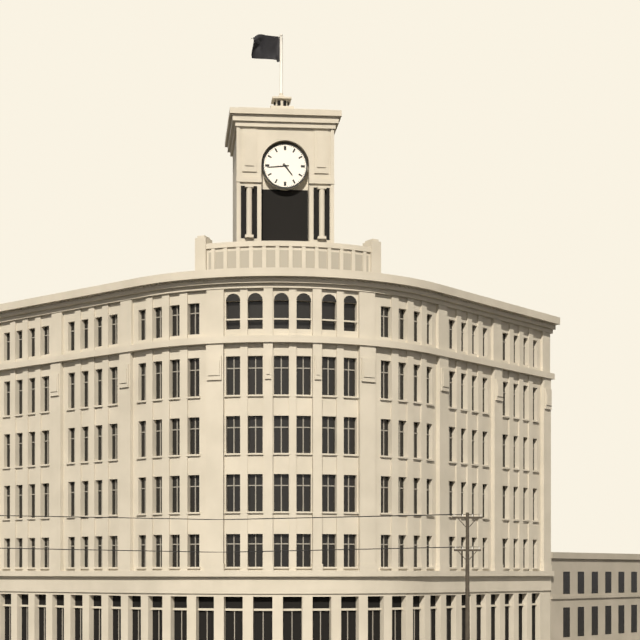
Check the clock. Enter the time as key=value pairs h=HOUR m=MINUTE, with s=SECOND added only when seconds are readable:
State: h=4 m=44
